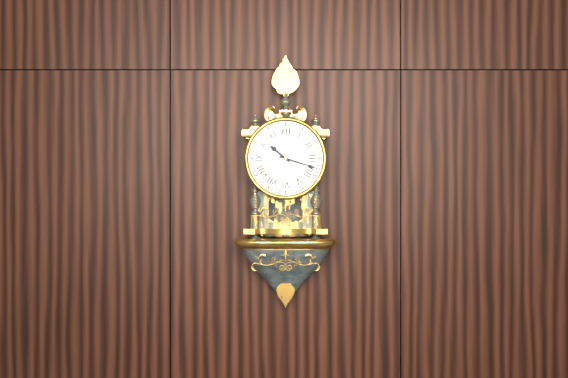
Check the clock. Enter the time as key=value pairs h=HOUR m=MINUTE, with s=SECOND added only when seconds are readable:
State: h=10 m=18
